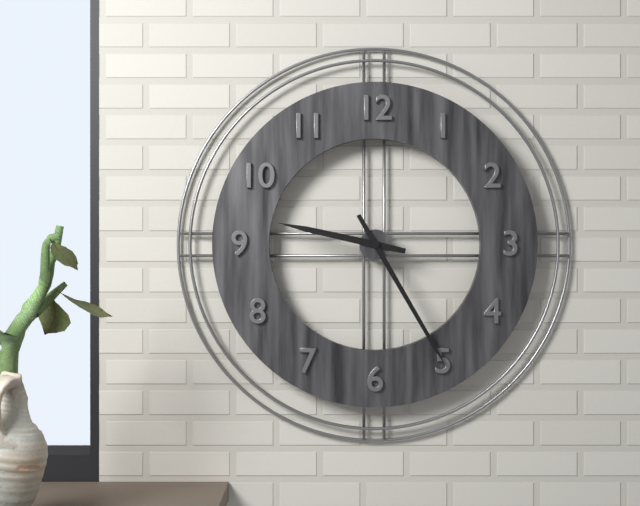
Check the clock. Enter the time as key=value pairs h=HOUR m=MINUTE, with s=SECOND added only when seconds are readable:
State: h=9 m=25
